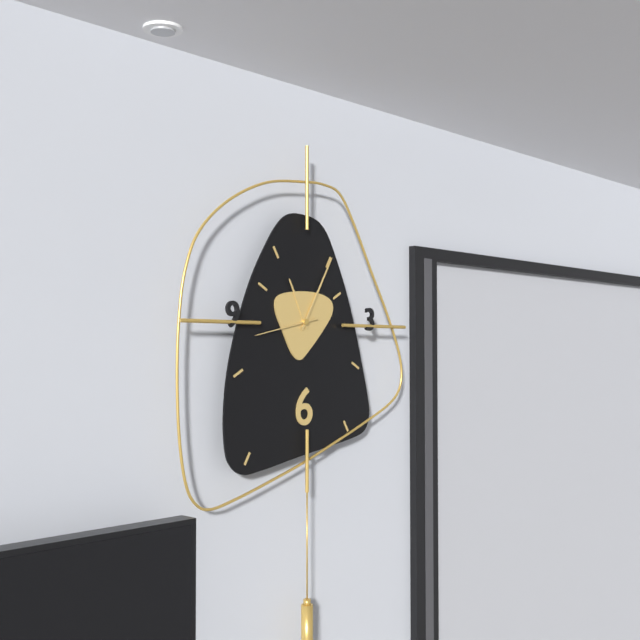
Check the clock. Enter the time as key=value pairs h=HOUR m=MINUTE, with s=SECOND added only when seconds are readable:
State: h=11 m=5 s=43
